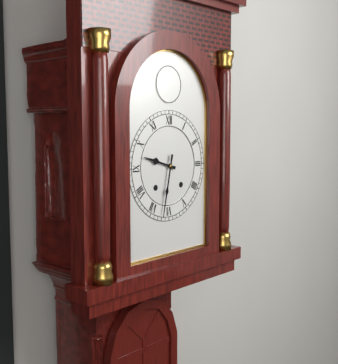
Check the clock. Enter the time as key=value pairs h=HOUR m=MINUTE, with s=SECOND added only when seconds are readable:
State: h=9 m=32
